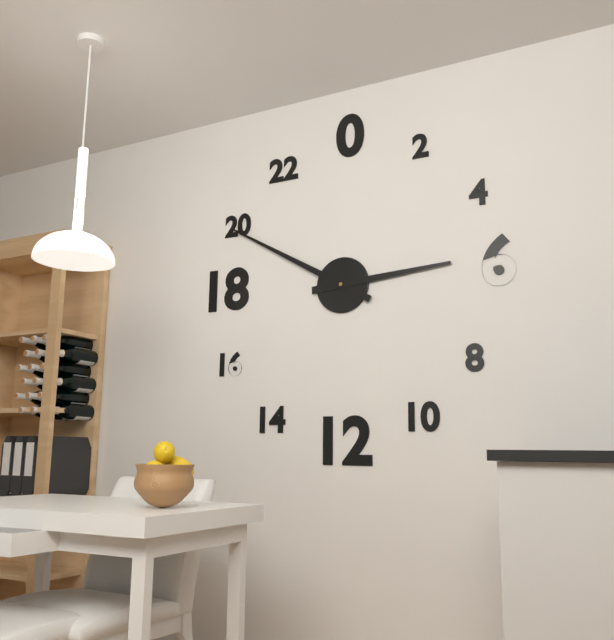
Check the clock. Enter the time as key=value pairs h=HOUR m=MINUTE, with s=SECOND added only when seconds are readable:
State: h=2 m=50
